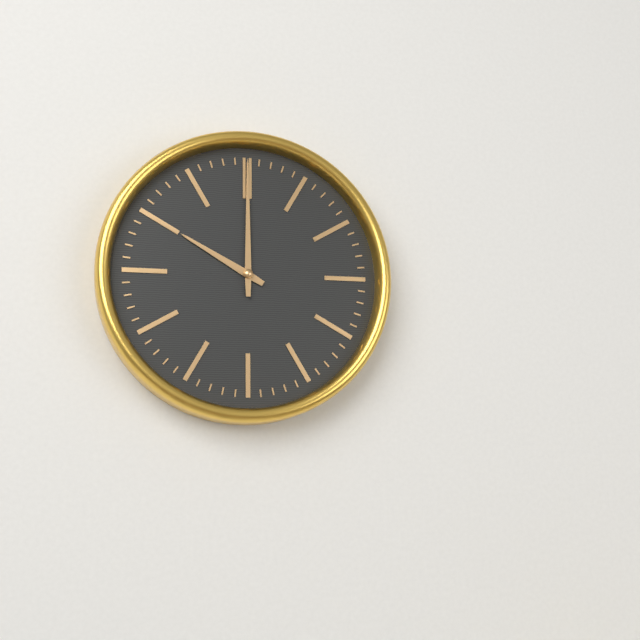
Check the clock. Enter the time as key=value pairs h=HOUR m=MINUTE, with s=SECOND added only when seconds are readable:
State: h=10 m=0
